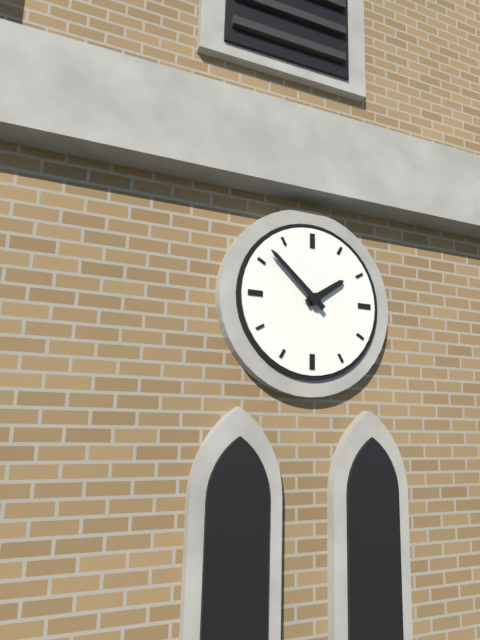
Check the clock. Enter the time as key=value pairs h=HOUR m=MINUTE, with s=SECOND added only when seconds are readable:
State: h=1 m=52
